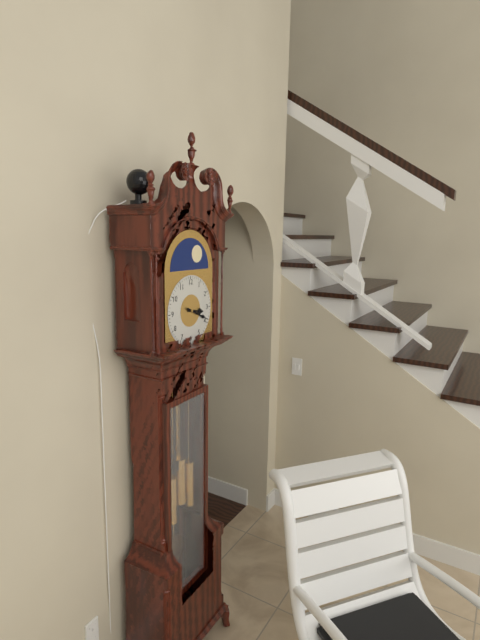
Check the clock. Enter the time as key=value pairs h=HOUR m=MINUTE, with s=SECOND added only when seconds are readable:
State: h=3 m=19
